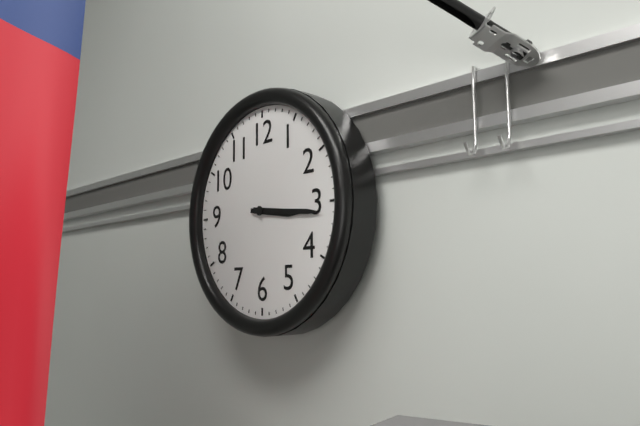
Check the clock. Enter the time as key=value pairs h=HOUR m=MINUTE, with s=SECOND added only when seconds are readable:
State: h=3 m=16
